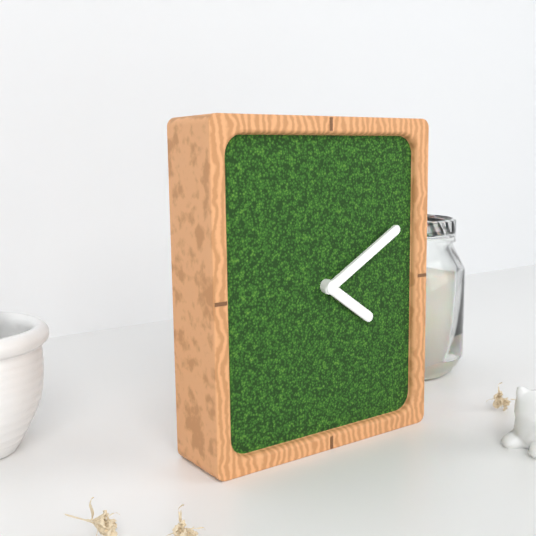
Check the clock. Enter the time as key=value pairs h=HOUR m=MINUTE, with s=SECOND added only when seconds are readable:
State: h=4 m=10
